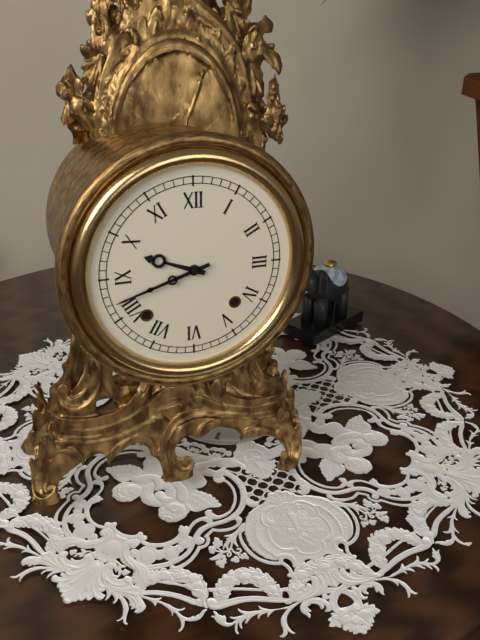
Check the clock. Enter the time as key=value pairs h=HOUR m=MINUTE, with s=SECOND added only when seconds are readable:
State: h=9 m=42
